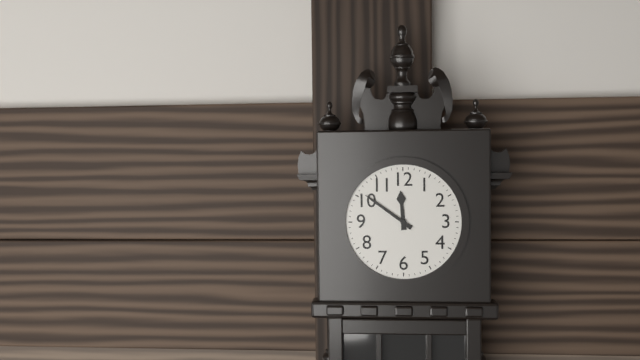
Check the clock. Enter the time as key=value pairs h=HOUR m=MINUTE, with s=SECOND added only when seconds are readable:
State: h=11 m=51
